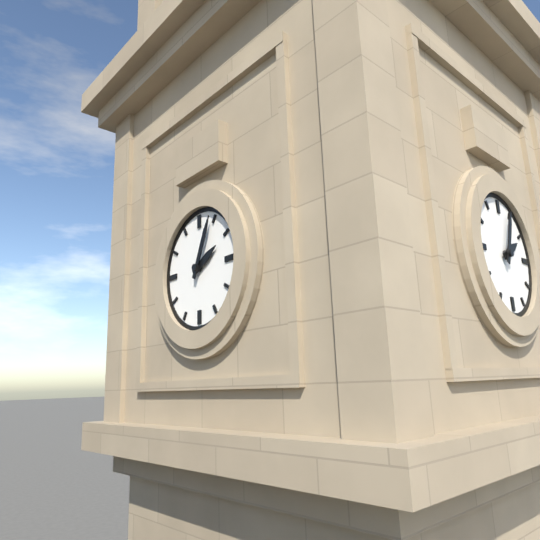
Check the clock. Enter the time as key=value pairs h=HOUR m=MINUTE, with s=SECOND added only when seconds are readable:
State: h=2 m=4
